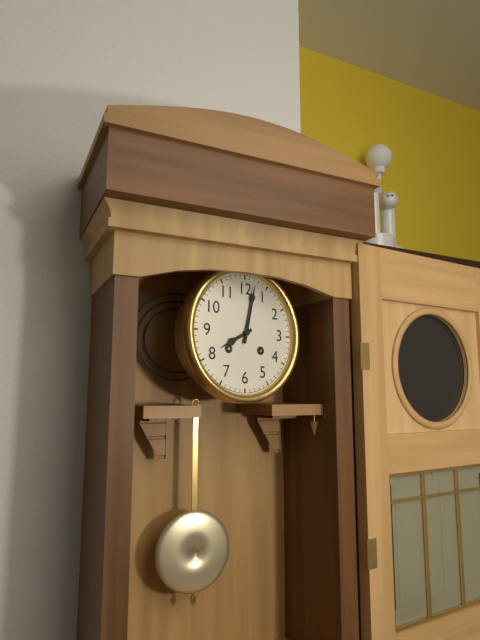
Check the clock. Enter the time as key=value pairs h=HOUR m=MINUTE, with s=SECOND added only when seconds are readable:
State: h=8 m=2
